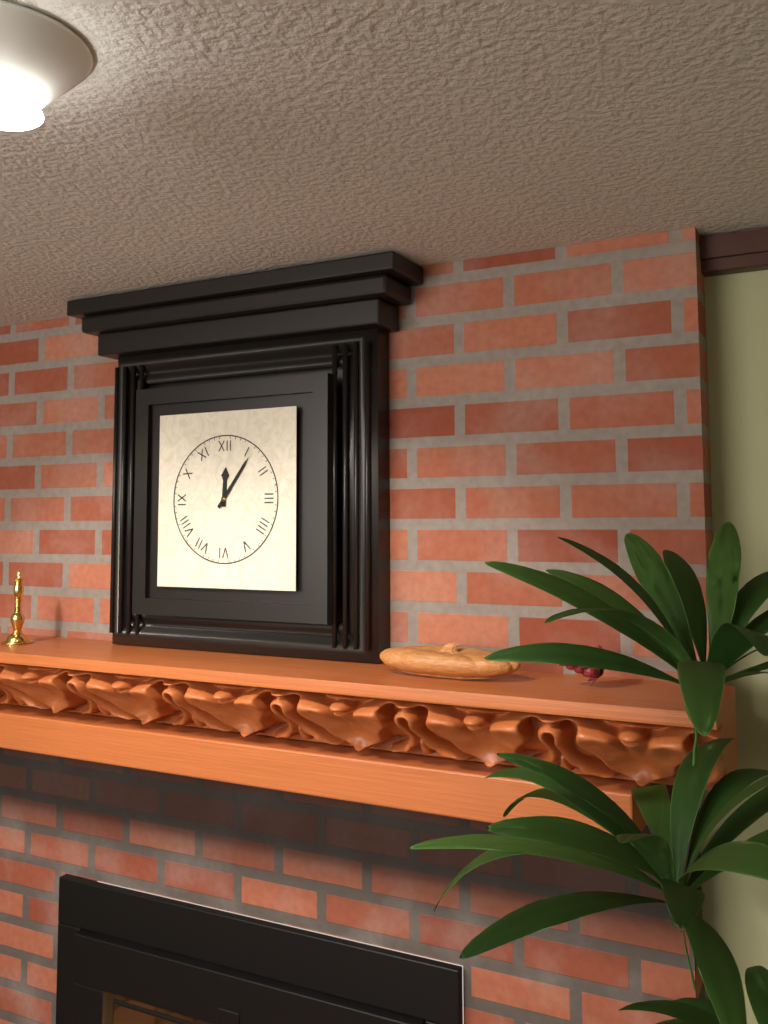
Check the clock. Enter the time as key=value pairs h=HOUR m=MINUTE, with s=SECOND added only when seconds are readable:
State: h=12 m=6
